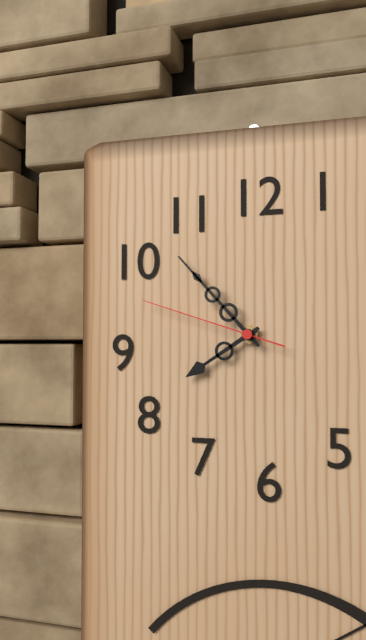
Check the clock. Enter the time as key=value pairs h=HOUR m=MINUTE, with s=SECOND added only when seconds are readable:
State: h=7 m=53 s=48
